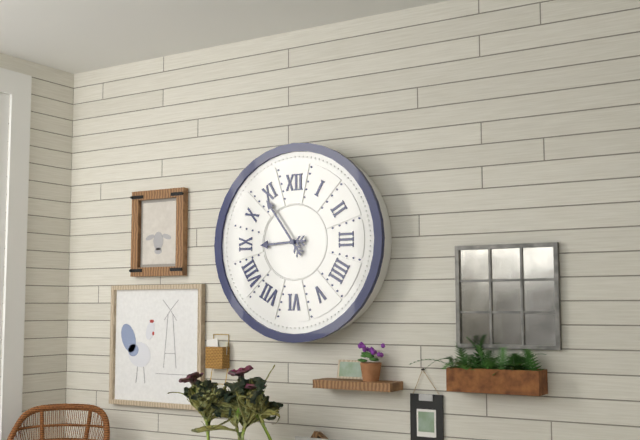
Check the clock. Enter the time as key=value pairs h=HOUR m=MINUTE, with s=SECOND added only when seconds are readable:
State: h=8 m=54
